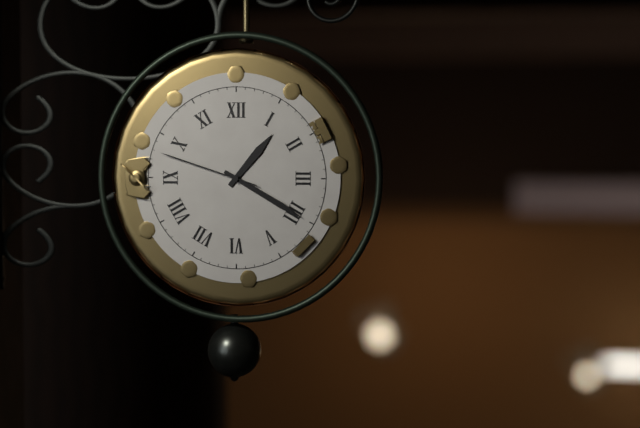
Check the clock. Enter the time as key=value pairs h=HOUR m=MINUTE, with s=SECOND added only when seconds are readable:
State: h=1 m=20 s=48
